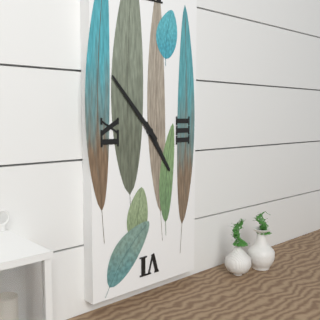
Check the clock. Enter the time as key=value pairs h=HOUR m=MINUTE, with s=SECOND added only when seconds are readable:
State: h=4 m=53
